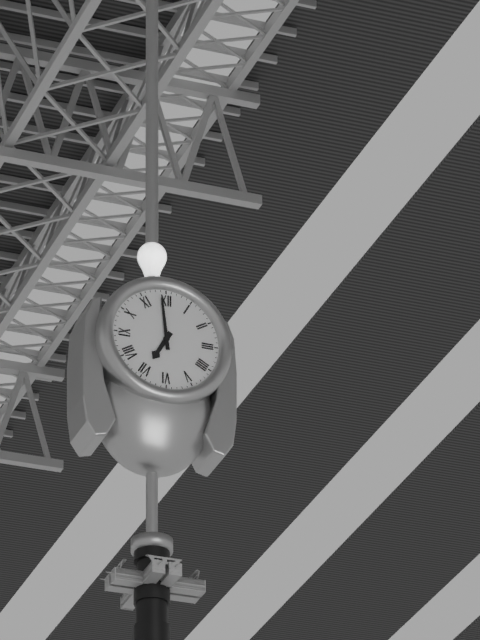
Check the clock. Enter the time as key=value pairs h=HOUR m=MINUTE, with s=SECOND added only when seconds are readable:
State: h=6 m=59
